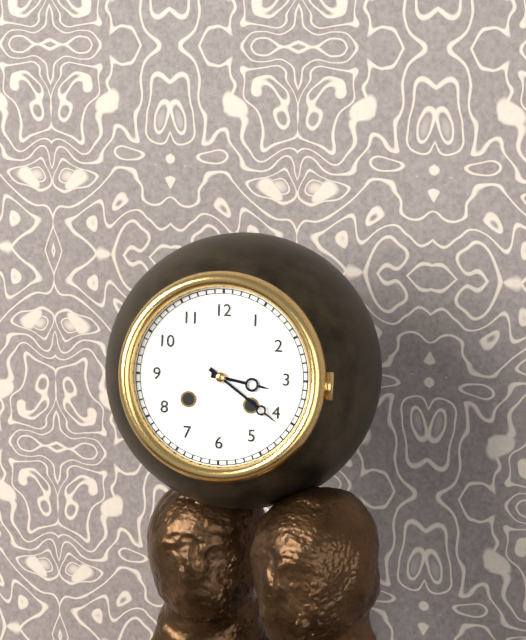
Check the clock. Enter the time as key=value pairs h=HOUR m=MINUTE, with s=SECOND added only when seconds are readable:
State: h=3 m=21
